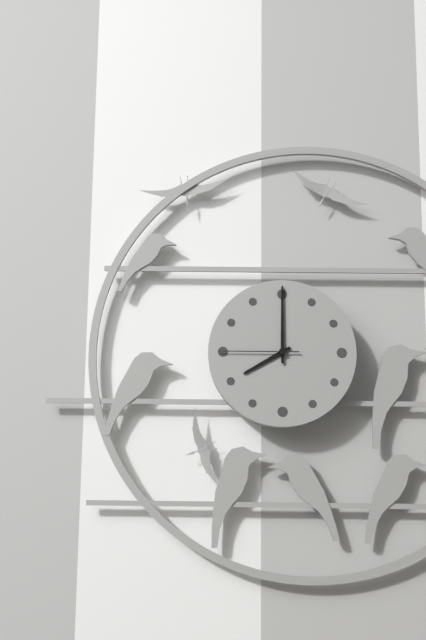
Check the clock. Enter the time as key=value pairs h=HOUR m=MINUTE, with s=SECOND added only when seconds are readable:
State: h=8 m=0 s=45
